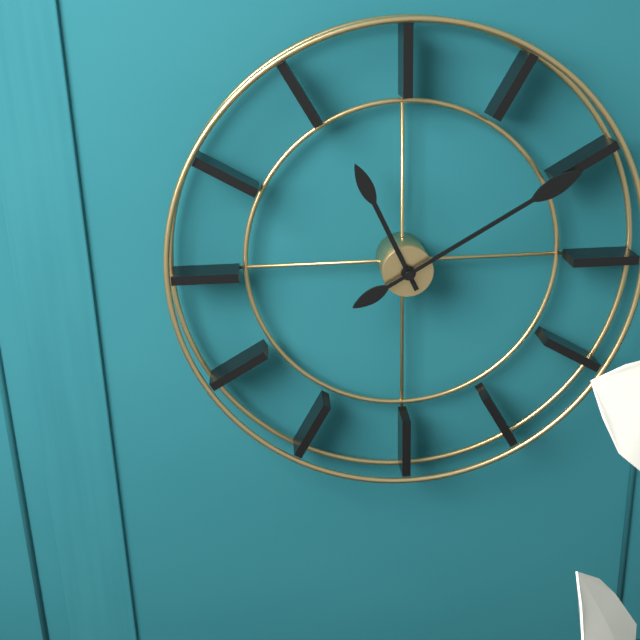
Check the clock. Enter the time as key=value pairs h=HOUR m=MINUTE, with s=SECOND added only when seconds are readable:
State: h=11 m=10
